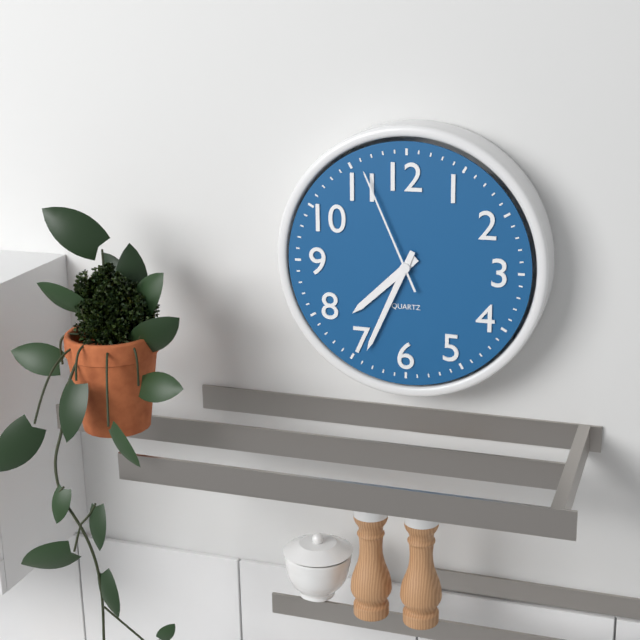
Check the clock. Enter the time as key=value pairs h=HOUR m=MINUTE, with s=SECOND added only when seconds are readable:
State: h=7 m=34 s=56
